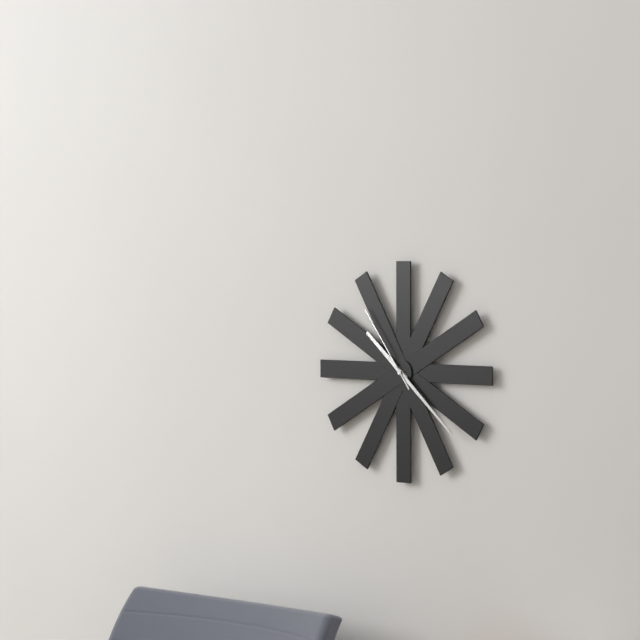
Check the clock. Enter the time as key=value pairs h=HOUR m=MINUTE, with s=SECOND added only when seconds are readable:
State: h=10 m=22 s=54
